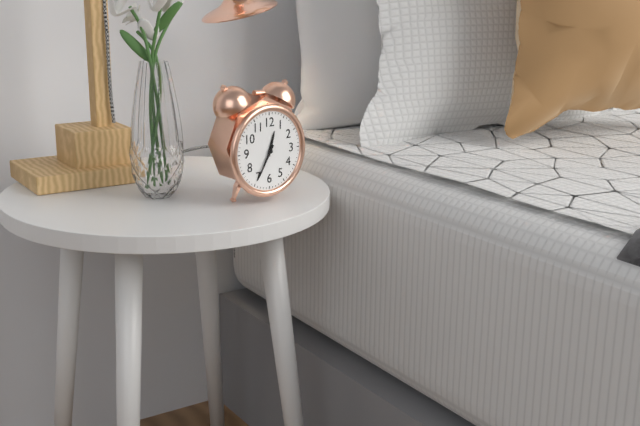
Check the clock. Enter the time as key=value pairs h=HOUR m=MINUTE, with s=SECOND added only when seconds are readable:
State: h=12 m=35
